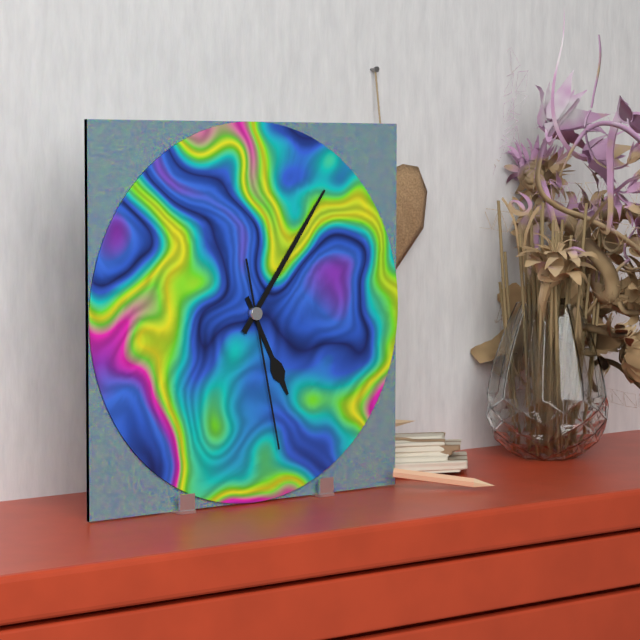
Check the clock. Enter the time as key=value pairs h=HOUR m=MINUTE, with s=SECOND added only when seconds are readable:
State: h=5 m=6 s=28
